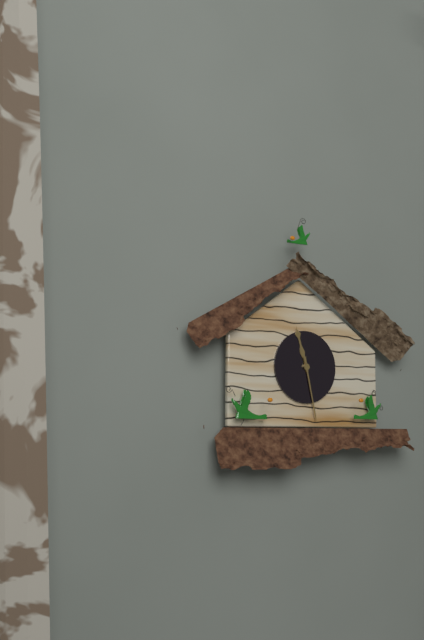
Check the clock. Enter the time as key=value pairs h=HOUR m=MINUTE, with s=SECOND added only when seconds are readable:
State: h=11 m=28
